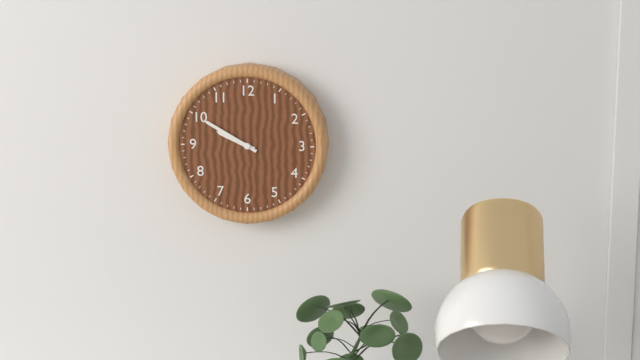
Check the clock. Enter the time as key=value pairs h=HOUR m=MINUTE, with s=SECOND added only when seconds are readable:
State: h=9 m=50
